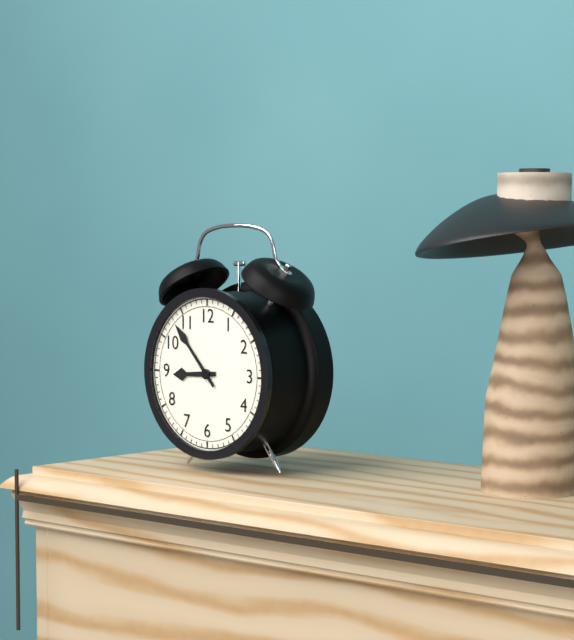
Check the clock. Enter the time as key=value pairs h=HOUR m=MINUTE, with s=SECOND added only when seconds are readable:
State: h=8 m=53
